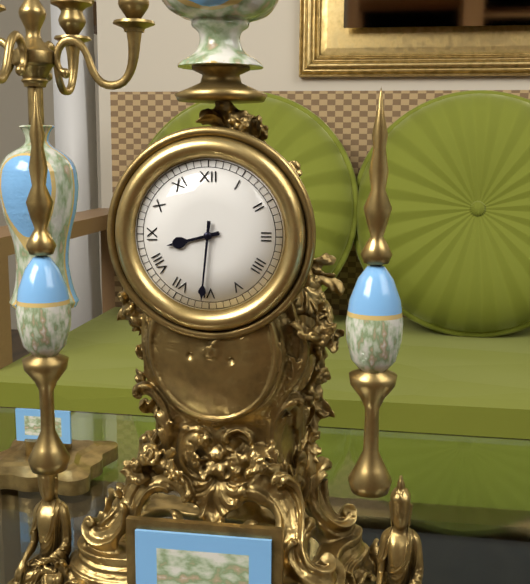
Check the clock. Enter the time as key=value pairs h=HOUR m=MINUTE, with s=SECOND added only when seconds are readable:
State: h=8 m=31
